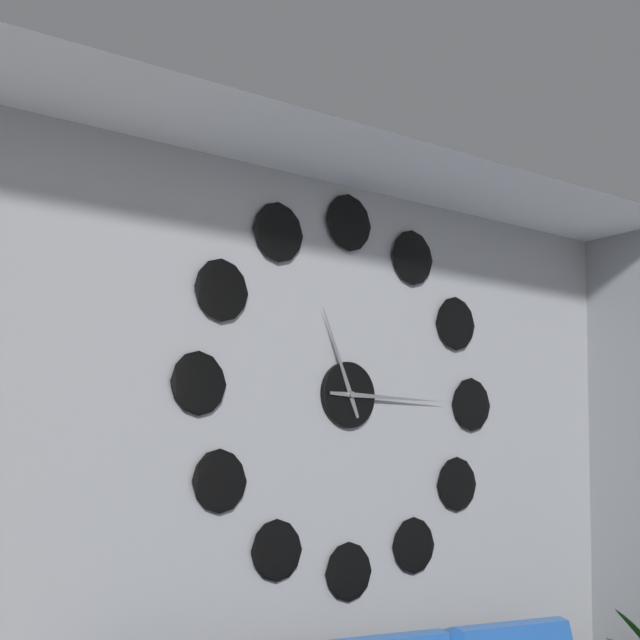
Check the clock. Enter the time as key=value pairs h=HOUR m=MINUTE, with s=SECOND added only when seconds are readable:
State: h=11 m=15
